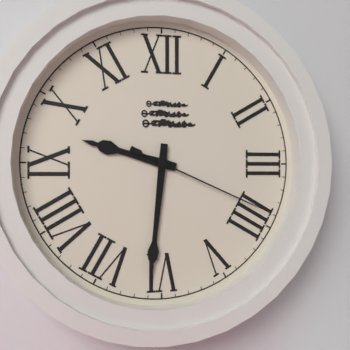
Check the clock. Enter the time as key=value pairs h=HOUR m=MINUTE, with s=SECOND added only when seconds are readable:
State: h=9 m=31 s=19
